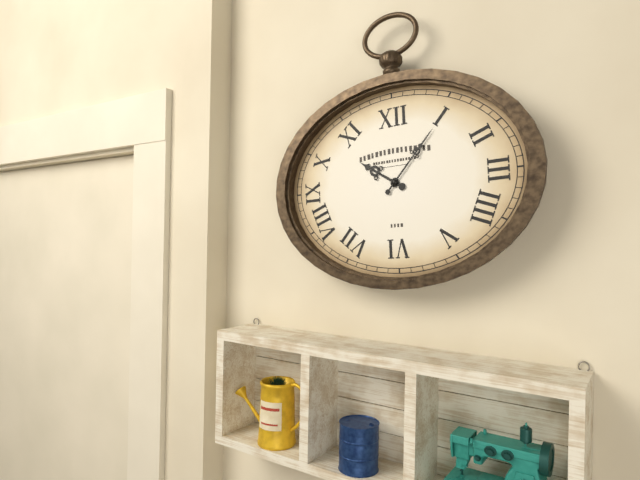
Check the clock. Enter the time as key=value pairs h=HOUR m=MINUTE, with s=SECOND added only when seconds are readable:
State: h=10 m=7
